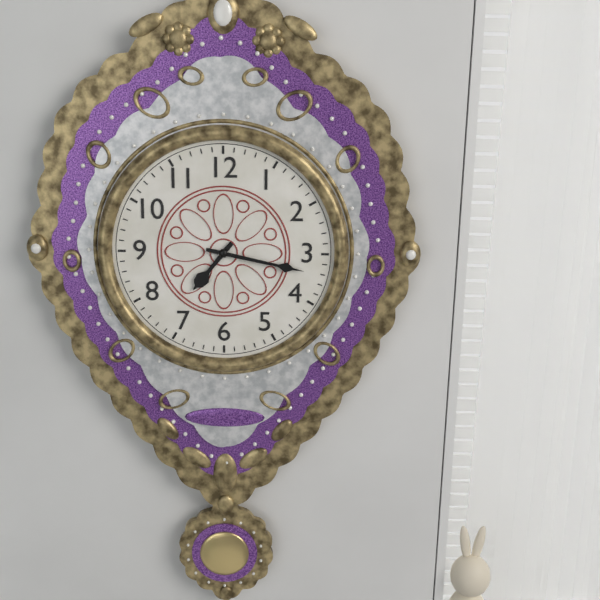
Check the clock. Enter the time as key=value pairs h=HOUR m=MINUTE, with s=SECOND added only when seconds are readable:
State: h=7 m=17
